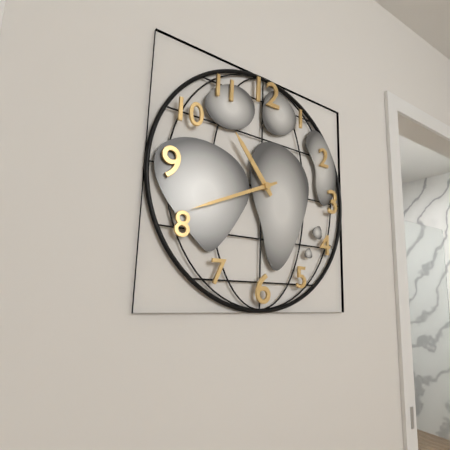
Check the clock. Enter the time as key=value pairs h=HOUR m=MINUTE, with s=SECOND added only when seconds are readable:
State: h=10 m=41
